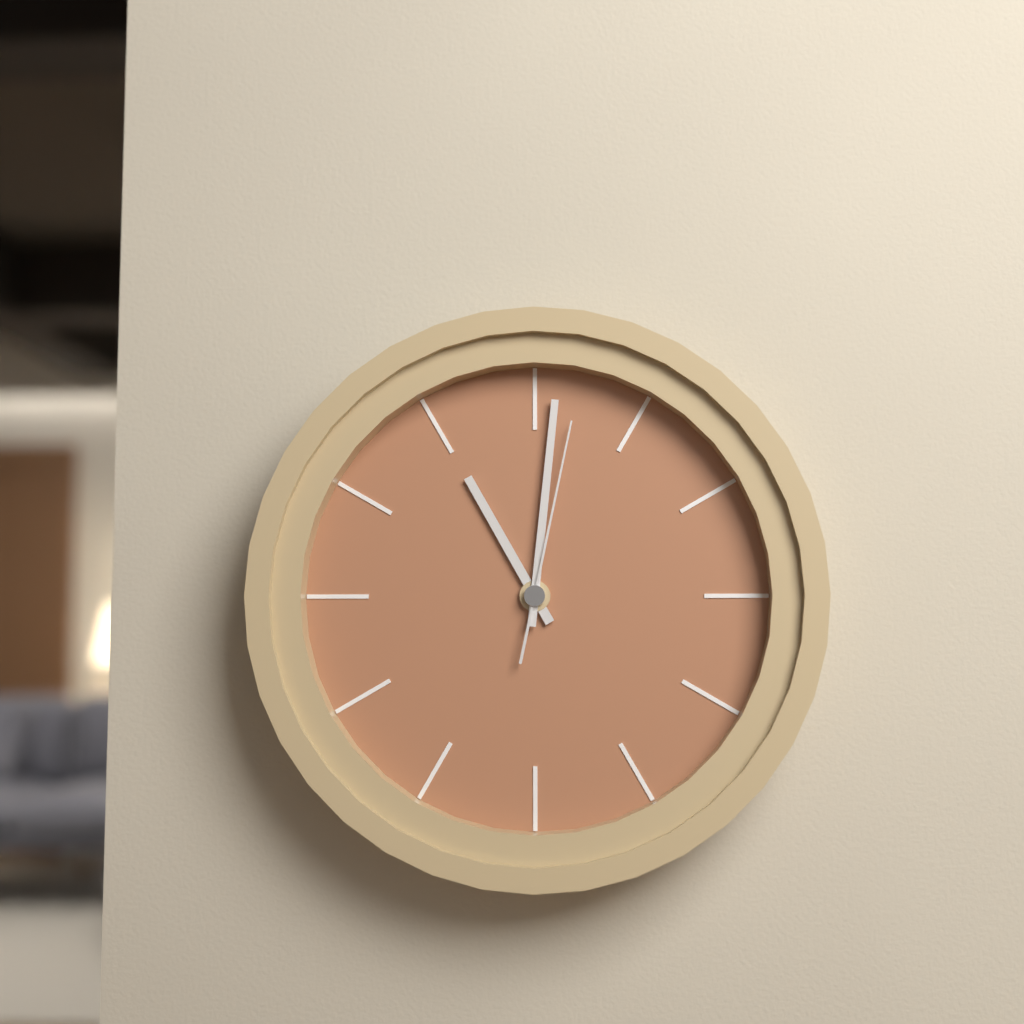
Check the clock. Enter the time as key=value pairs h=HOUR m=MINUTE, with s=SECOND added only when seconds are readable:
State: h=11 m=1 s=2
